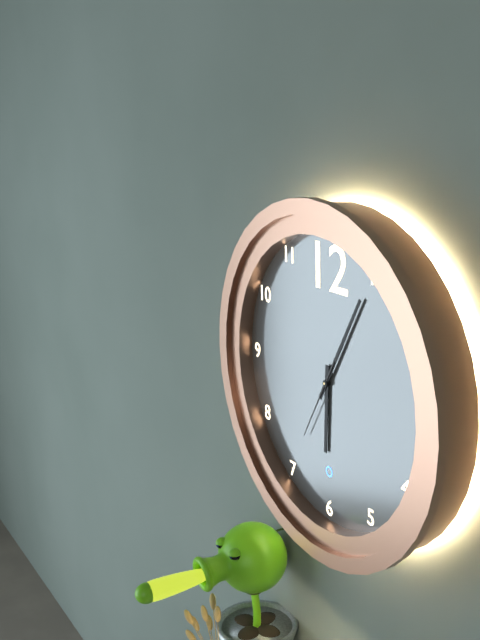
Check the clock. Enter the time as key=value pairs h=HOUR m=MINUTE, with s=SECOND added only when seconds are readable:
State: h=6 m=5 s=35
